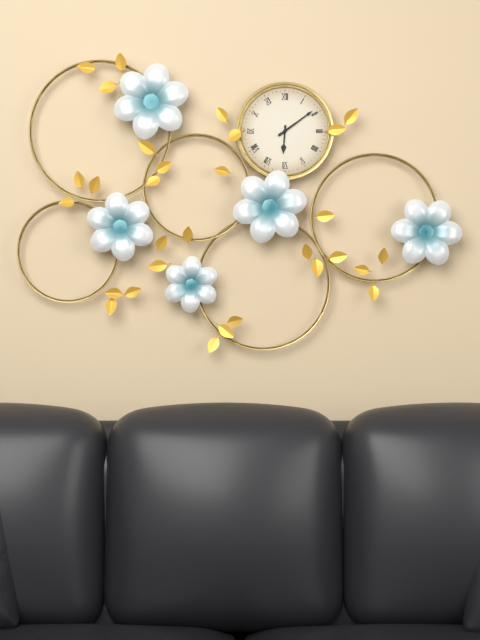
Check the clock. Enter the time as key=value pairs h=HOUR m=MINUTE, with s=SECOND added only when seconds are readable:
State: h=6 m=9
